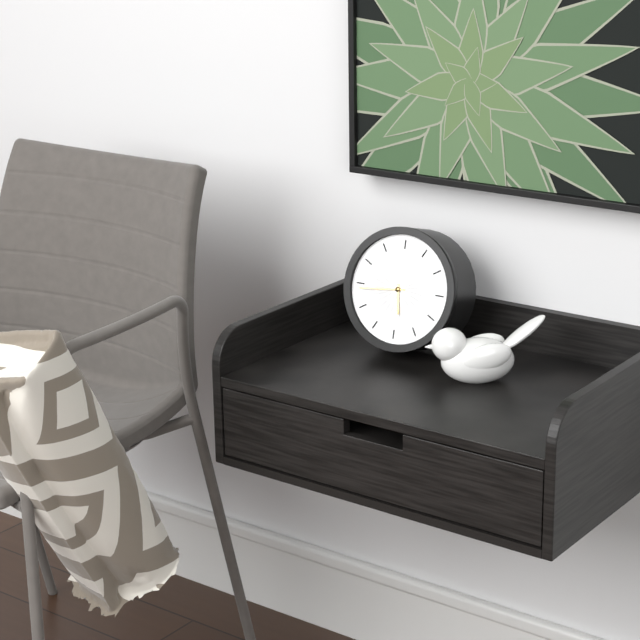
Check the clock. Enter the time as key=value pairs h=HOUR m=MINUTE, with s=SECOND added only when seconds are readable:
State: h=5 m=44
